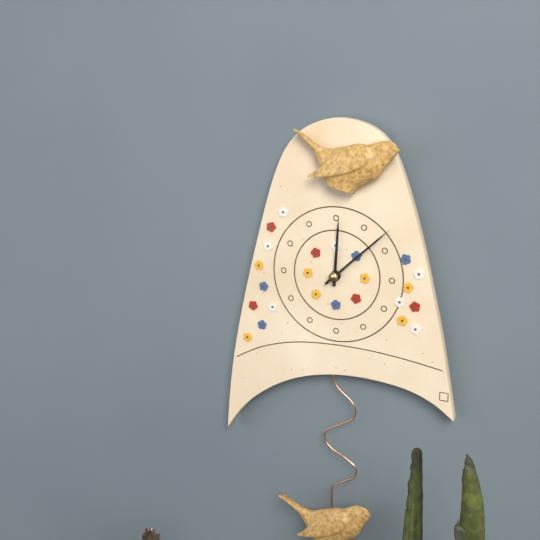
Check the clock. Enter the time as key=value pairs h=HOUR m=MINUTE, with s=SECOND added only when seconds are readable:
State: h=12 m=8
